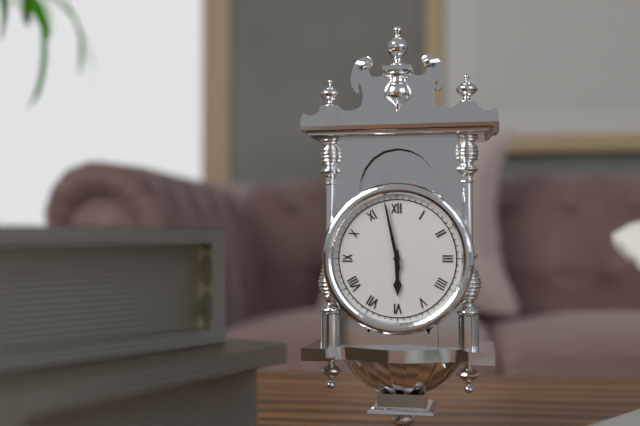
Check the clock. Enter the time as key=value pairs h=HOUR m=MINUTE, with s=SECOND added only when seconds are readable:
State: h=5 m=58
